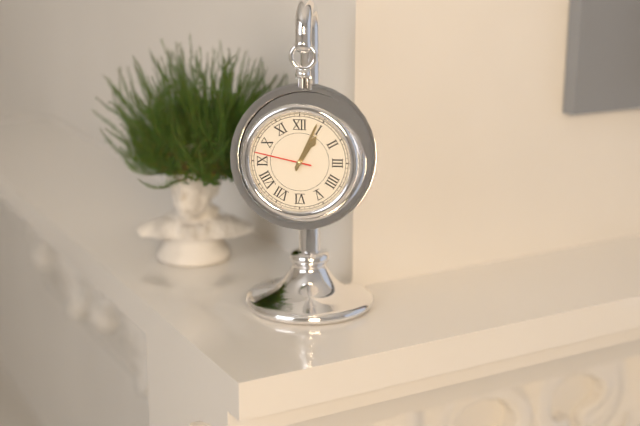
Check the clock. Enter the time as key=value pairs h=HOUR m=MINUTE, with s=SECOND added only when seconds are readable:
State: h=1 m=4 s=47
